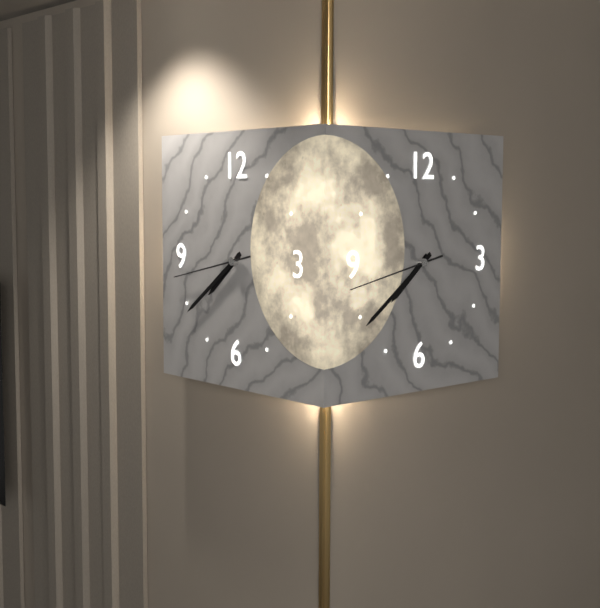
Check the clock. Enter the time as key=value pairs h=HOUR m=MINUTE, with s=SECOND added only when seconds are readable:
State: h=7 m=39 s=43
